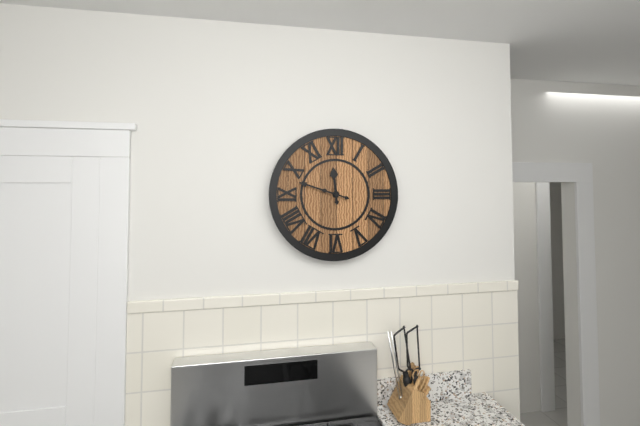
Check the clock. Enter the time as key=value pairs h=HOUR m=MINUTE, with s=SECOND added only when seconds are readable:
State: h=11 m=48
